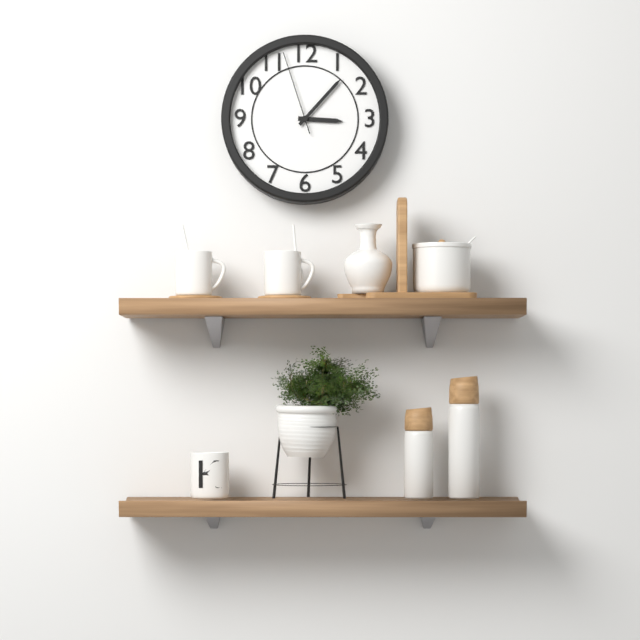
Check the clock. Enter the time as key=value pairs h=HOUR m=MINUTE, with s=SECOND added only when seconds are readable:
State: h=3 m=7 s=57
